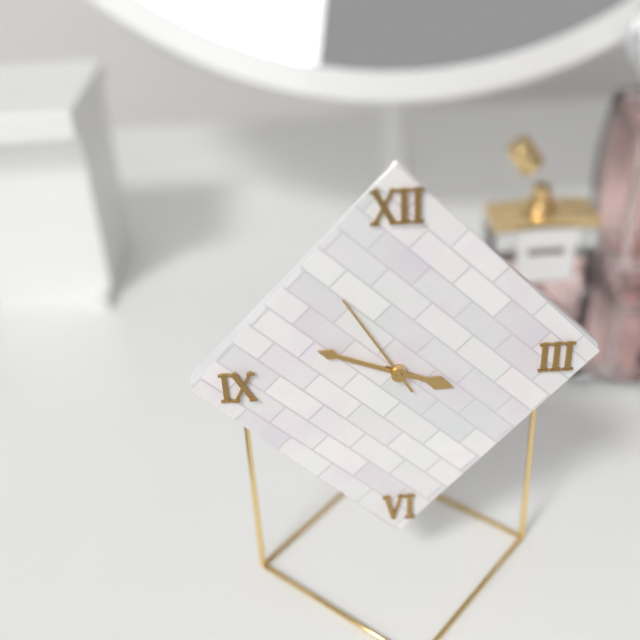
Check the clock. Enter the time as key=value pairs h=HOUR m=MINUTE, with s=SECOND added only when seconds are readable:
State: h=3 m=49 s=55
